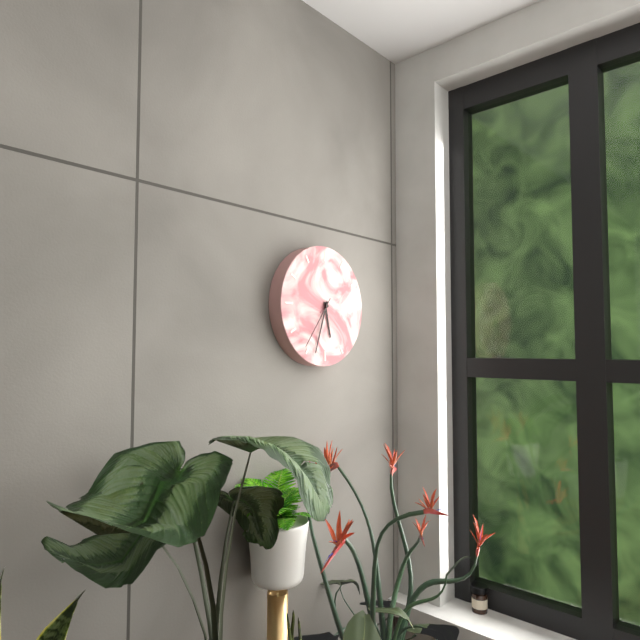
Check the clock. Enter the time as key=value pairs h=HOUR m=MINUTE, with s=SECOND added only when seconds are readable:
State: h=5 m=33 s=36
